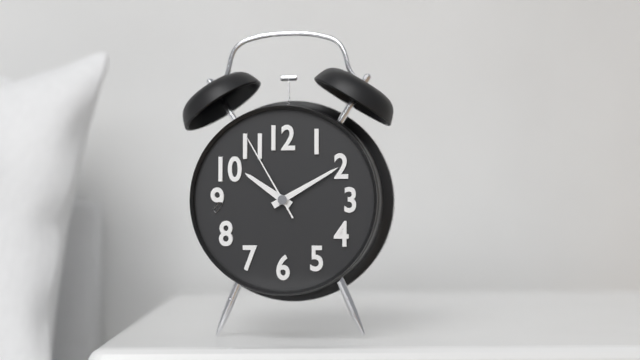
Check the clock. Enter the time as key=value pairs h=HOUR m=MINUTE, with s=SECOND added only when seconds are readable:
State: h=10 m=10 s=55
